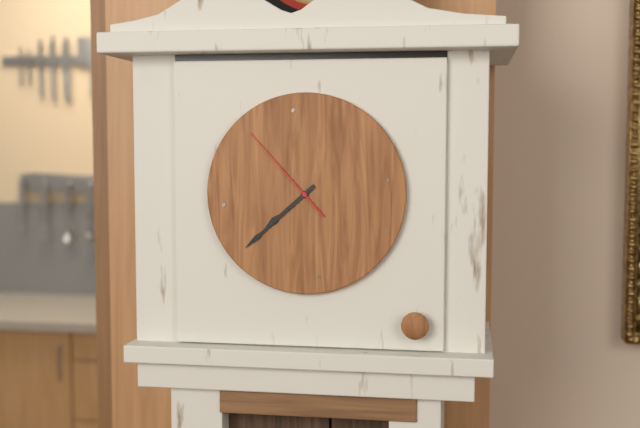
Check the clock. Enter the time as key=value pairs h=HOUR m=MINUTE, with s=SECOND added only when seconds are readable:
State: h=7 m=38 s=53
